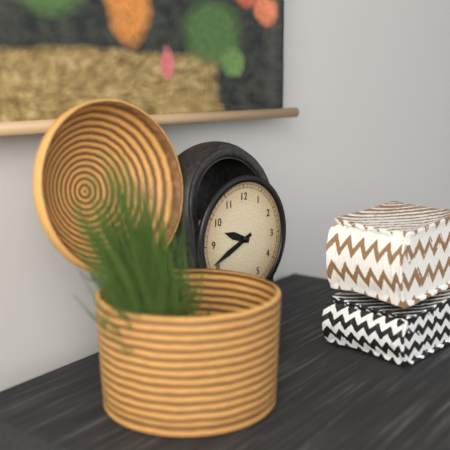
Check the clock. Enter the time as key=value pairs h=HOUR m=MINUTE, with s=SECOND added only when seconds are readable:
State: h=9 m=41
